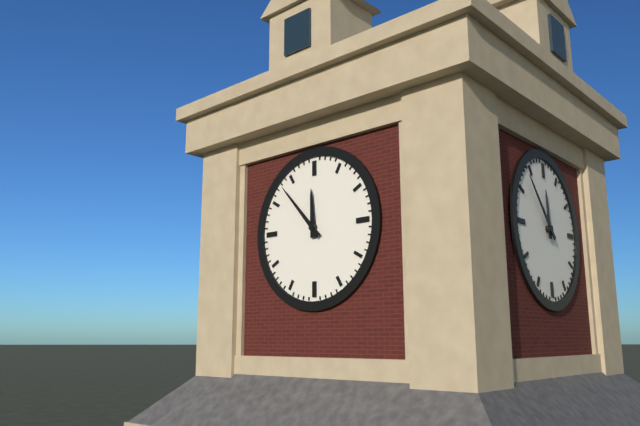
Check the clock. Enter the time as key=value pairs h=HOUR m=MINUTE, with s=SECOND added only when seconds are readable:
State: h=11 m=53
